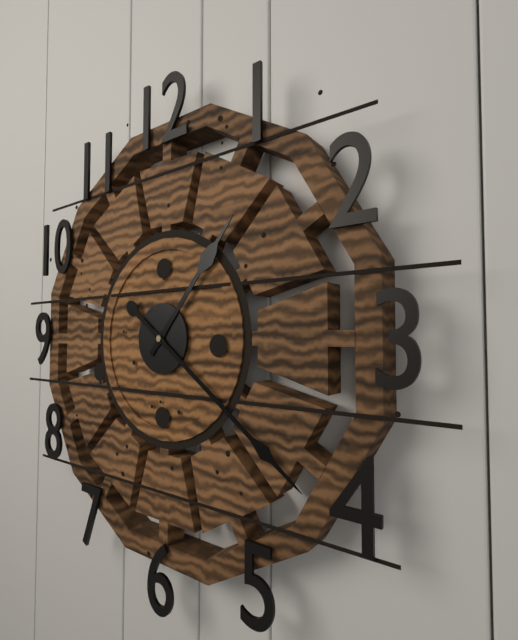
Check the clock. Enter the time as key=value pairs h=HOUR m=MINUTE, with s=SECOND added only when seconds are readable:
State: h=1 m=21
